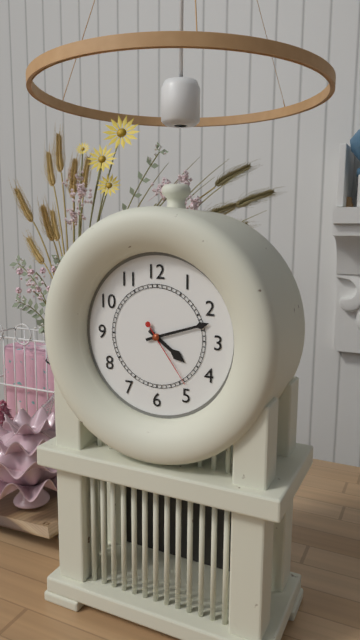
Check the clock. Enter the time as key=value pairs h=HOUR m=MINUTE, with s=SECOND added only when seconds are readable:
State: h=4 m=12 s=24
